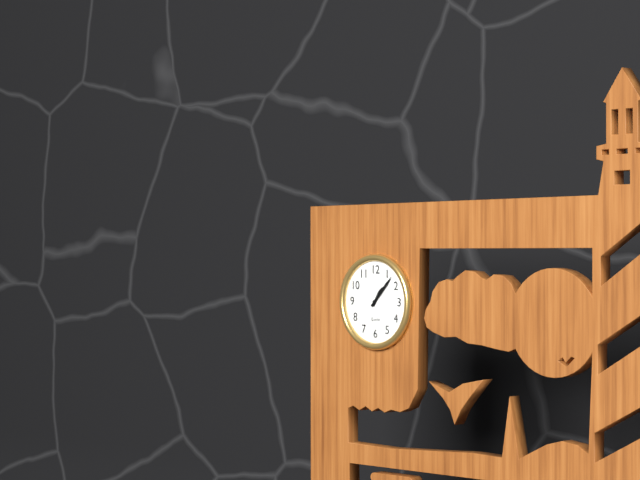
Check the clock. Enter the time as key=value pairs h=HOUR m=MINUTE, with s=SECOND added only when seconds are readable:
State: h=1 m=7
